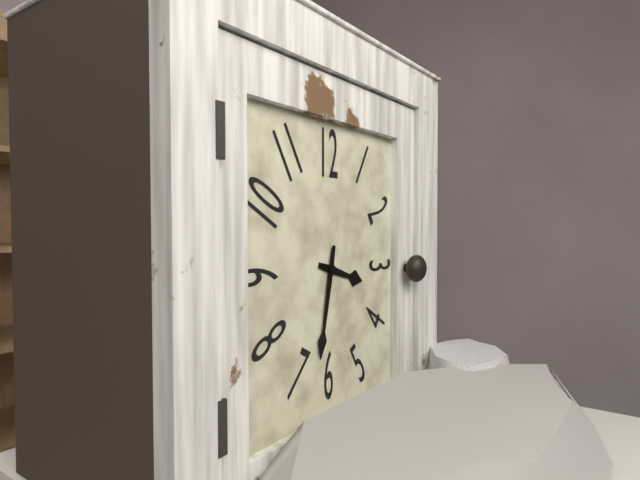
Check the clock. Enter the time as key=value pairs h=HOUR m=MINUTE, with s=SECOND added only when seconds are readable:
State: h=3 m=32
